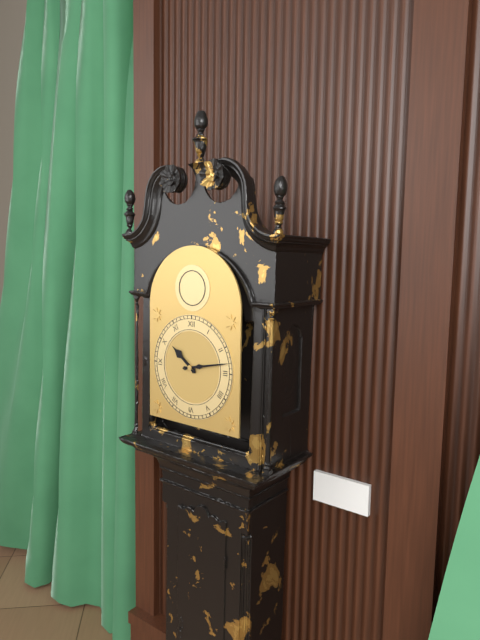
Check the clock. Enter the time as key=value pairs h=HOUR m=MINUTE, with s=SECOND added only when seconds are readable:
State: h=10 m=13
